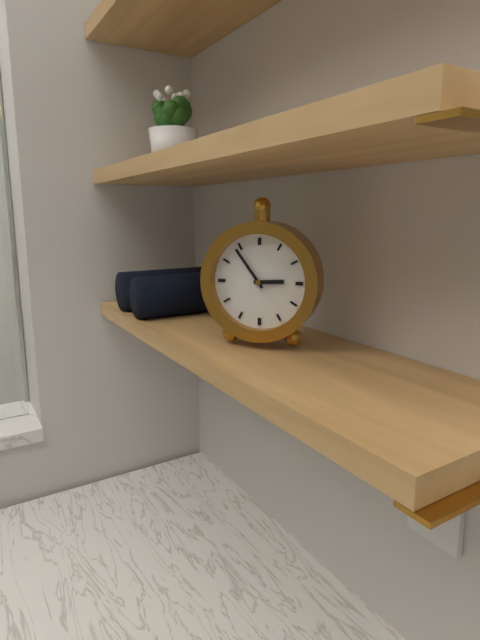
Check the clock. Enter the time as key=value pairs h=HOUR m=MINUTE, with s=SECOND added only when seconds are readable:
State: h=2 m=54
